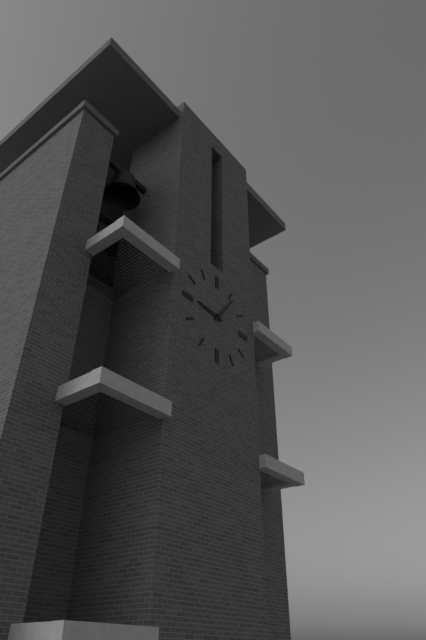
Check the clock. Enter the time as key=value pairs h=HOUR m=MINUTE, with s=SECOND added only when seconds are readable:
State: h=9 m=6
